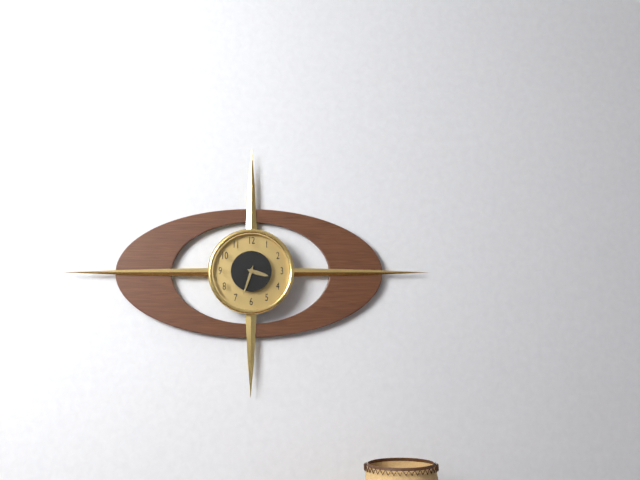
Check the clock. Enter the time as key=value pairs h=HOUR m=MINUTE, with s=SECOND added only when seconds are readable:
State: h=3 m=33
